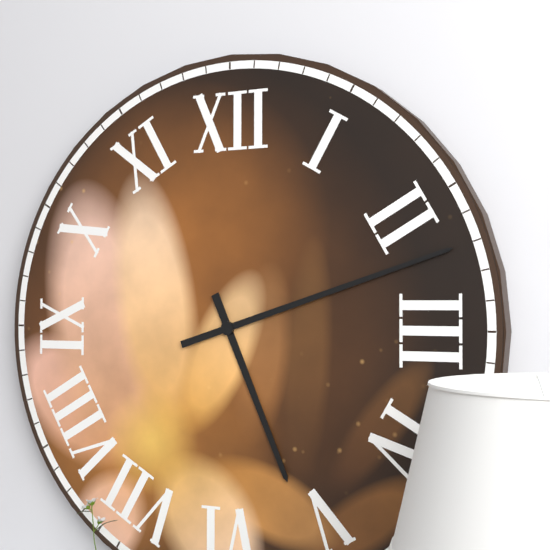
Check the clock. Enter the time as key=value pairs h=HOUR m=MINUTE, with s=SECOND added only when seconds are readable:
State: h=5 m=12
